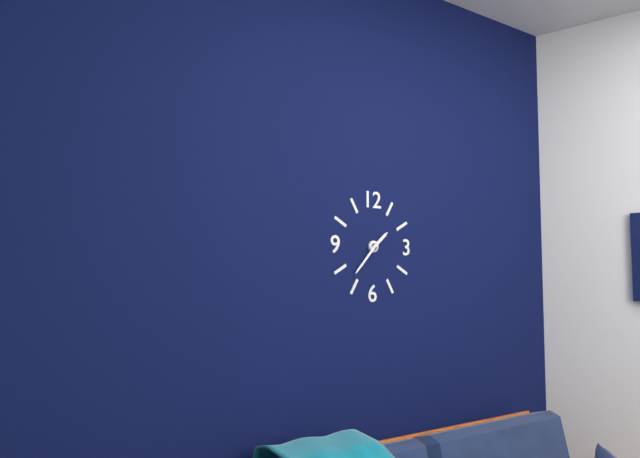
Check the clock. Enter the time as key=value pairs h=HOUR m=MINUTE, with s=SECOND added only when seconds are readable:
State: h=1 m=37
